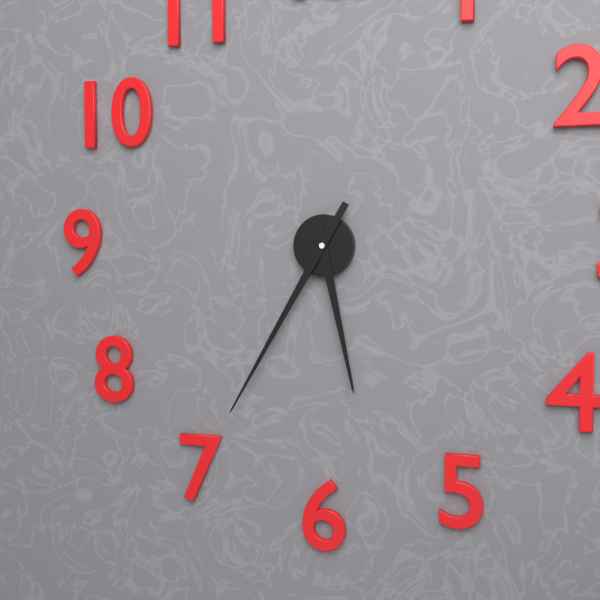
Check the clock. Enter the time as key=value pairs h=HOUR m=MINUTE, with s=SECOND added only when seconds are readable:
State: h=5 m=35
